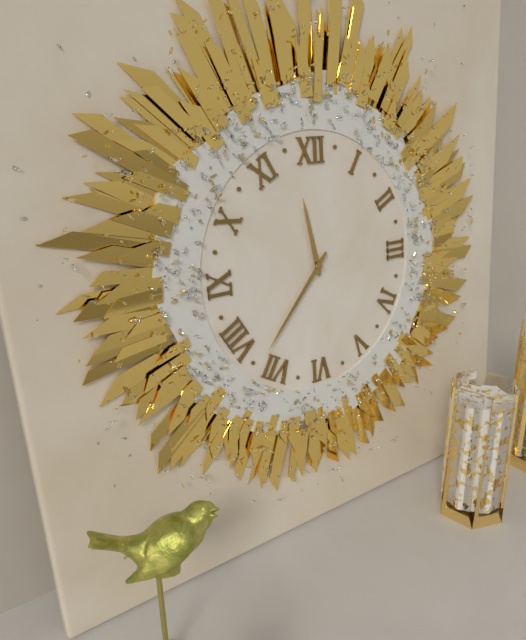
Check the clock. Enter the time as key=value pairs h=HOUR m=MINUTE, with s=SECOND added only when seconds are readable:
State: h=11 m=37
